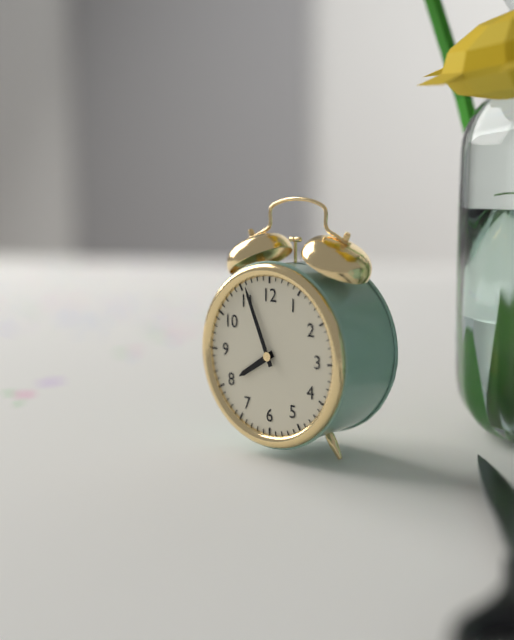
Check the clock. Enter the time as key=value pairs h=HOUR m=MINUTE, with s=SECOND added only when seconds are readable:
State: h=7 m=56
